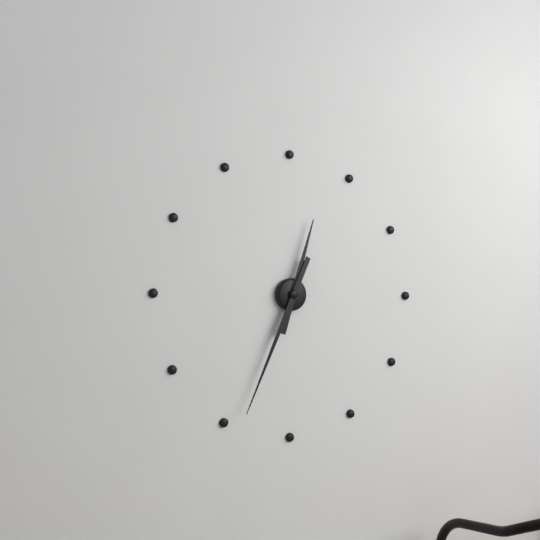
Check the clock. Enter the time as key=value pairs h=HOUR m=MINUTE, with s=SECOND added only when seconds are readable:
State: h=12 m=34
